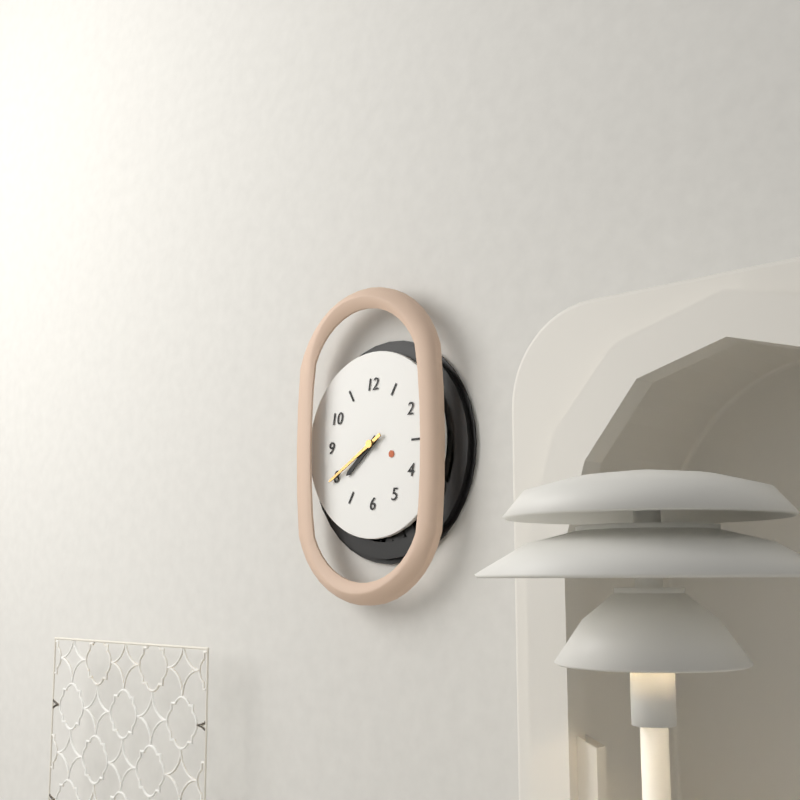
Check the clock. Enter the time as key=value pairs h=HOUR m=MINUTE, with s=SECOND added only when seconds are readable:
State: h=7 m=40
